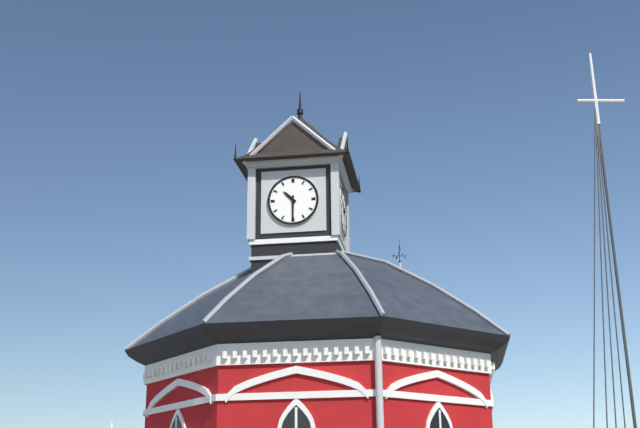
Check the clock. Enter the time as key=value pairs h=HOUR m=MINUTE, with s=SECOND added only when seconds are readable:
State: h=10 m=30
